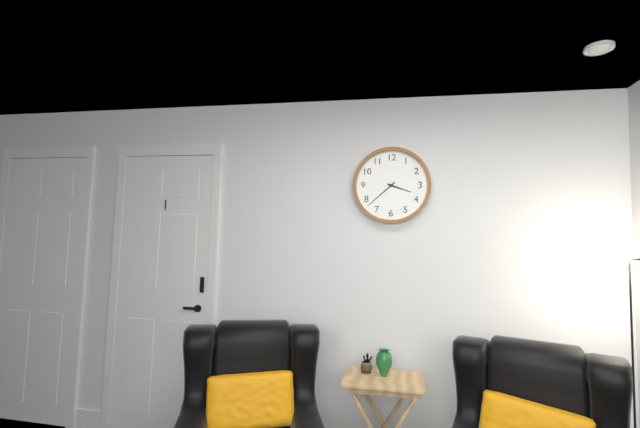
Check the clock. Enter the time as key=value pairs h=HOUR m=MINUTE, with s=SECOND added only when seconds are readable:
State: h=3 m=38
